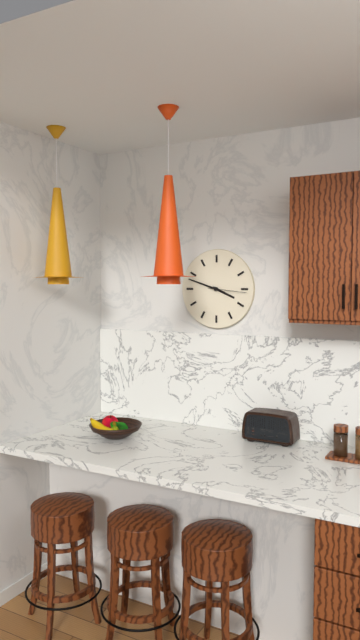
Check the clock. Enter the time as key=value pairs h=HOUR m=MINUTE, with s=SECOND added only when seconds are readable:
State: h=3 m=48
